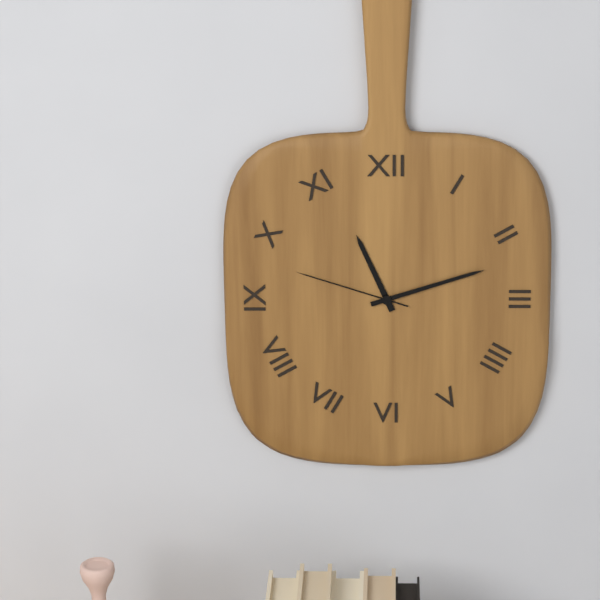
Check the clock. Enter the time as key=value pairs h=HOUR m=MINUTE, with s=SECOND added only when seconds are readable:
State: h=11 m=12 s=48
